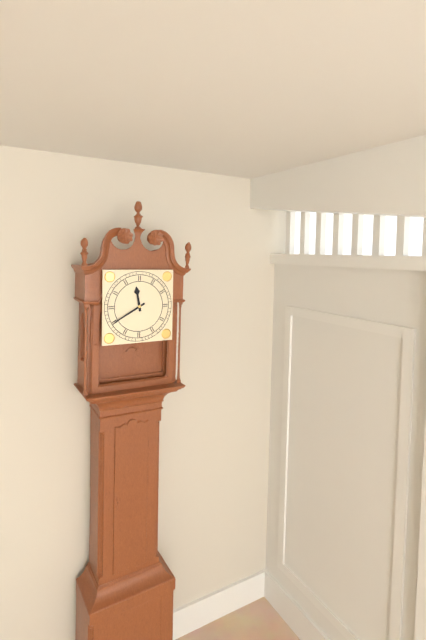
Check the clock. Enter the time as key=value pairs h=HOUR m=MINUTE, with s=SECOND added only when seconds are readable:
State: h=11 m=40
